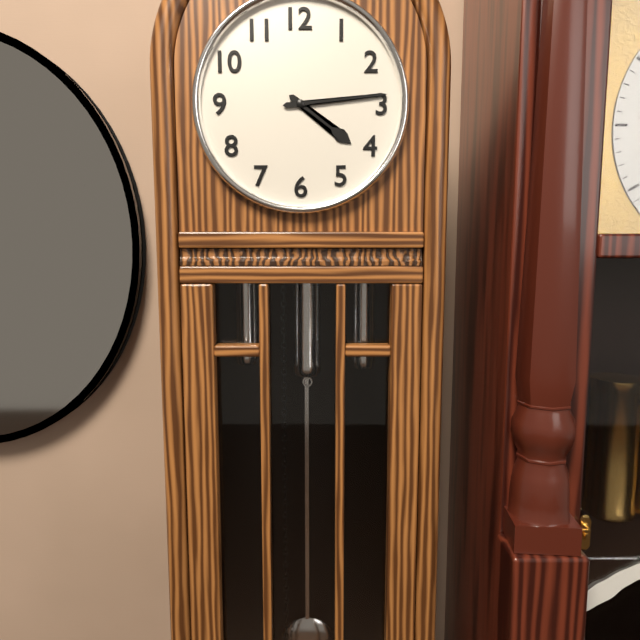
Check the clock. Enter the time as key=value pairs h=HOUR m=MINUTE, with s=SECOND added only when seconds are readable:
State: h=4 m=14
